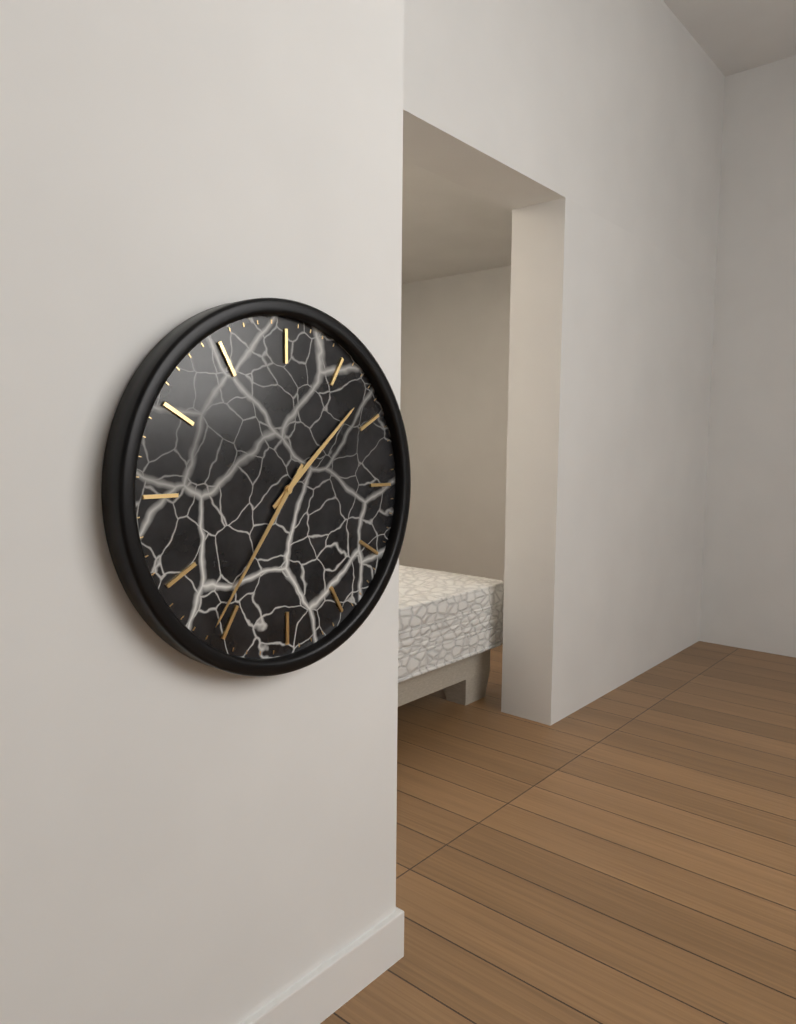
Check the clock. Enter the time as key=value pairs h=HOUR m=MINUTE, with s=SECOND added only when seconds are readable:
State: h=1 m=36
